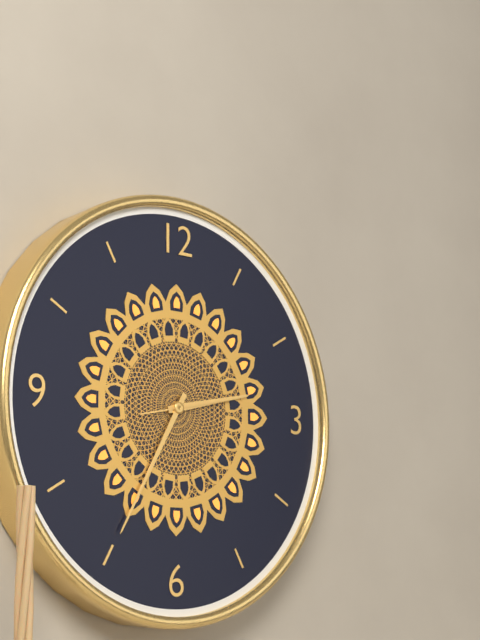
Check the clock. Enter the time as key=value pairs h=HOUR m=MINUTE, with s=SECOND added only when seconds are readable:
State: h=2 m=35 s=13
